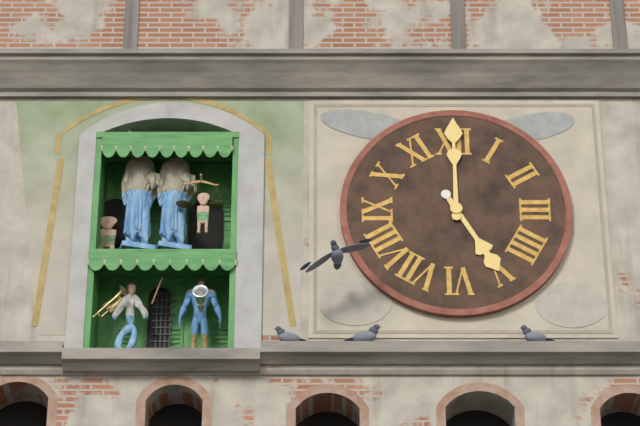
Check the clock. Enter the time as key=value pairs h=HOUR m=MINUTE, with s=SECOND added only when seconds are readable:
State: h=5 m=0
